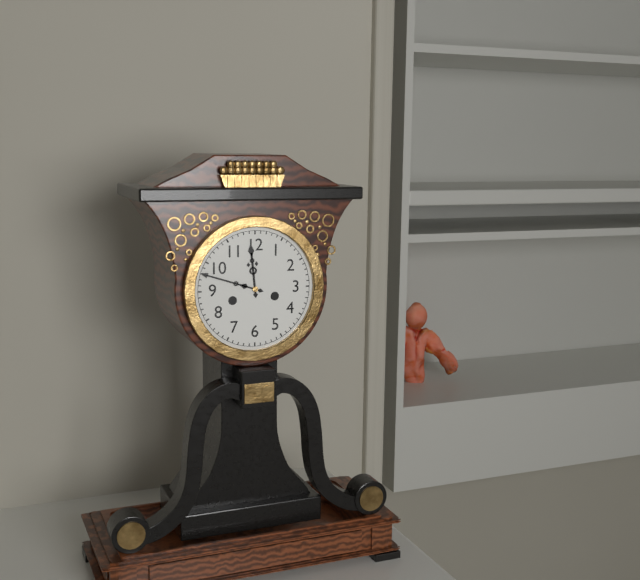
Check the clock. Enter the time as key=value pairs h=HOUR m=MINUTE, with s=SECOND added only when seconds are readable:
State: h=11 m=48
